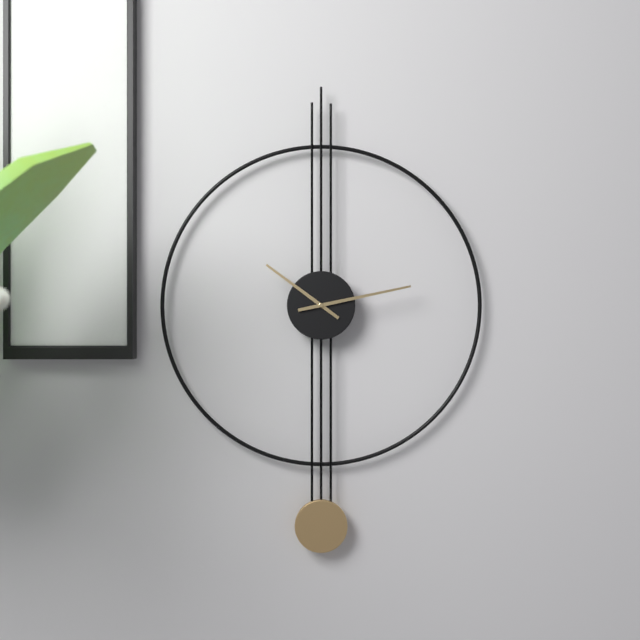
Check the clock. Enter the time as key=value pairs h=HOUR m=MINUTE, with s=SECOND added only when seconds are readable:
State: h=10 m=13
